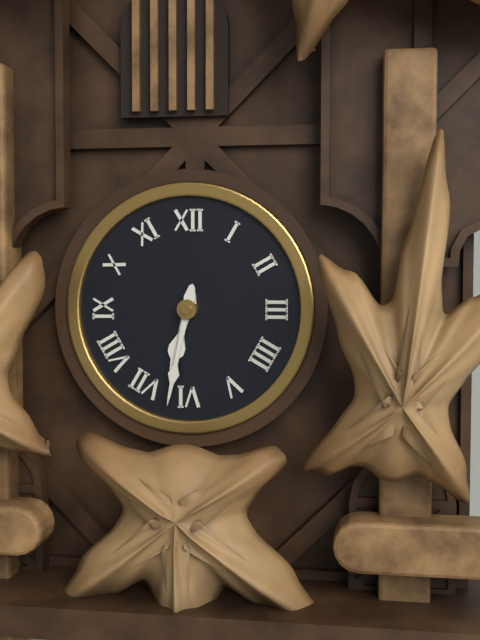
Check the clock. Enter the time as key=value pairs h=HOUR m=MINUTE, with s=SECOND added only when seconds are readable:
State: h=6 m=32
